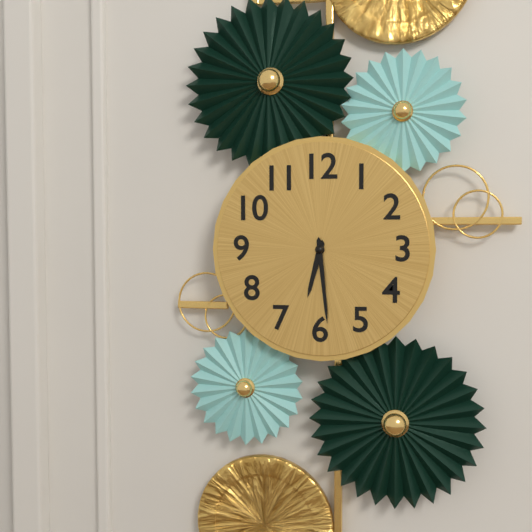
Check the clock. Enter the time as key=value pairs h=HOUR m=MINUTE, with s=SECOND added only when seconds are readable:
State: h=6 m=29
